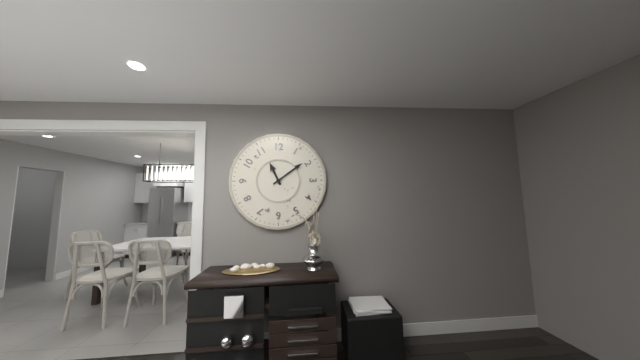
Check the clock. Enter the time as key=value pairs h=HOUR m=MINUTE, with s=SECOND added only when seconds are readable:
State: h=11 m=9
